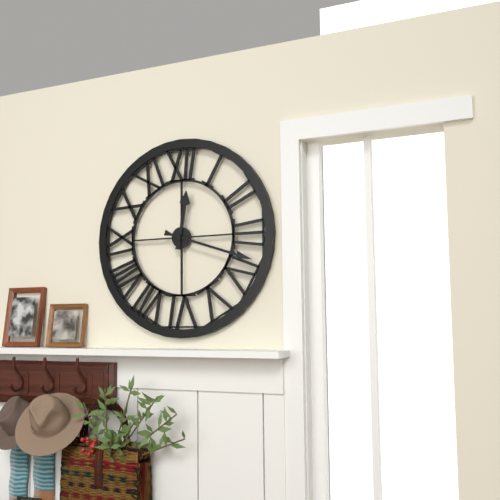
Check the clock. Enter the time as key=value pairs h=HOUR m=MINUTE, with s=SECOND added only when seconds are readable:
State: h=12 m=18
